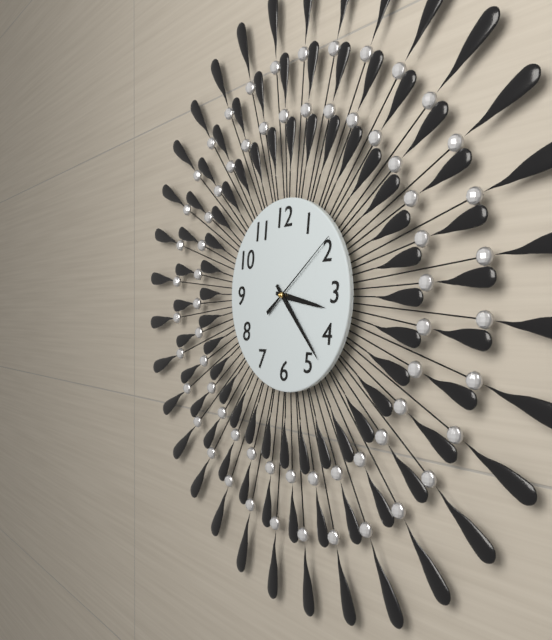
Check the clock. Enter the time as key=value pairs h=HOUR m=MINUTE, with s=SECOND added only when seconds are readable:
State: h=3 m=23 s=9
